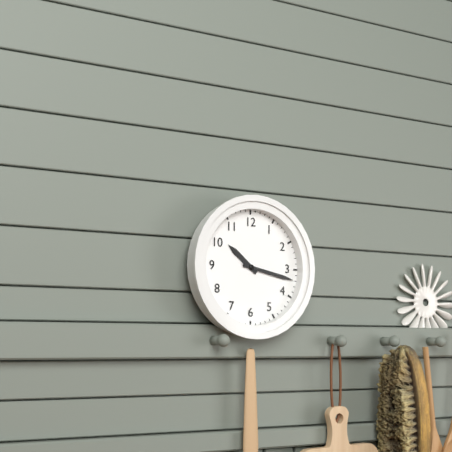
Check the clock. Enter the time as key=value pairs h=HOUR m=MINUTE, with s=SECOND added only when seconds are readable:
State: h=10 m=17
